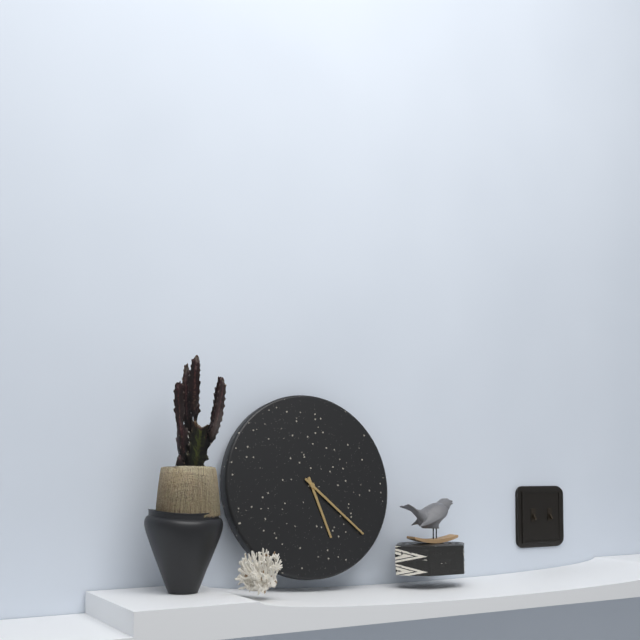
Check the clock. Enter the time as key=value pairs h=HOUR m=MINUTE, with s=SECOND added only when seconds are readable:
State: h=5 m=22
